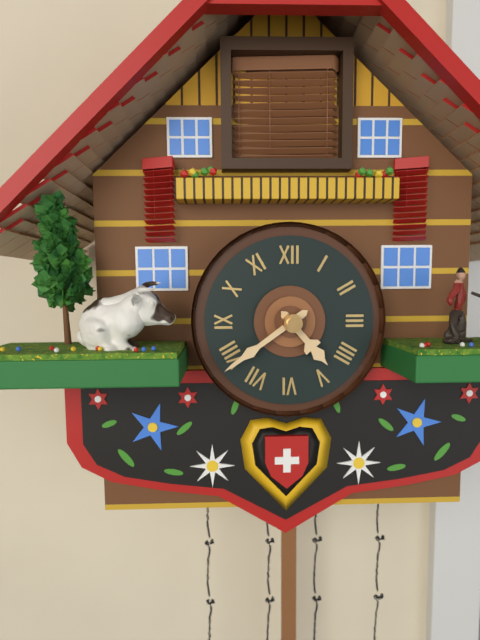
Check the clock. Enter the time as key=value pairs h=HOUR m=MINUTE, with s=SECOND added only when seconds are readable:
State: h=4 m=39
